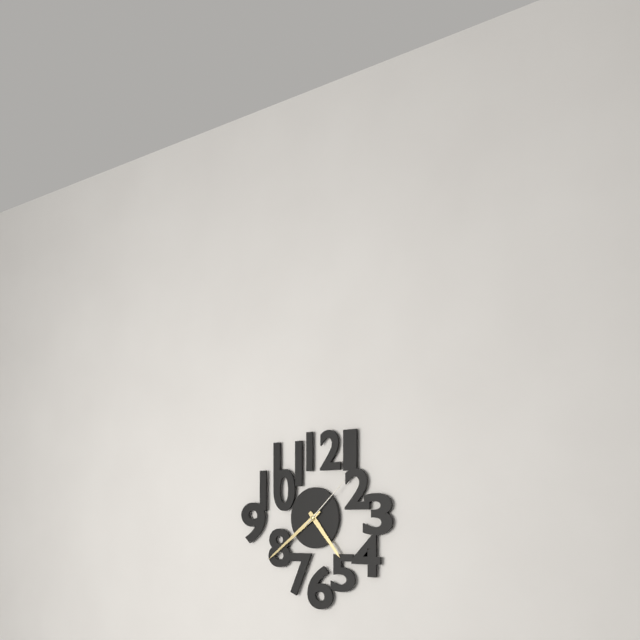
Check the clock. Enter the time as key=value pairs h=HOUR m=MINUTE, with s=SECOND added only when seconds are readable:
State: h=4 m=39 s=8
